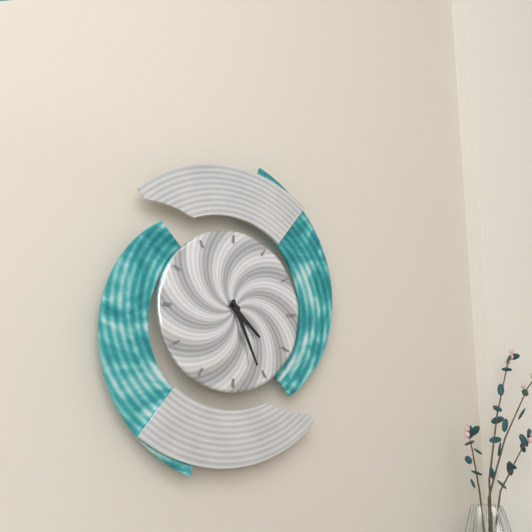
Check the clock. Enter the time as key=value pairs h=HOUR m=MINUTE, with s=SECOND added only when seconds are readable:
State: h=4 m=26
